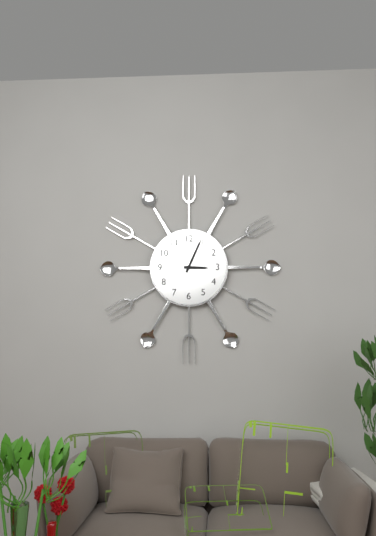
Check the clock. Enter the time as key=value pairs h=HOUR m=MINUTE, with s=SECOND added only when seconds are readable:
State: h=3 m=4
